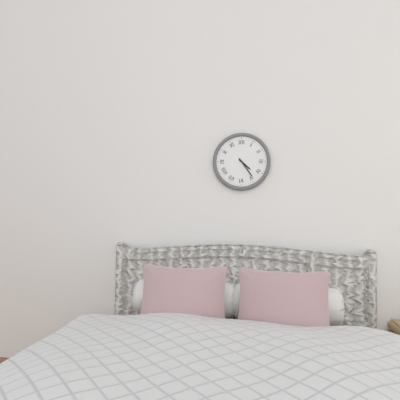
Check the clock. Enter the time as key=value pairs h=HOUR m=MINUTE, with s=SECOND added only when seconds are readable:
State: h=4 m=24
